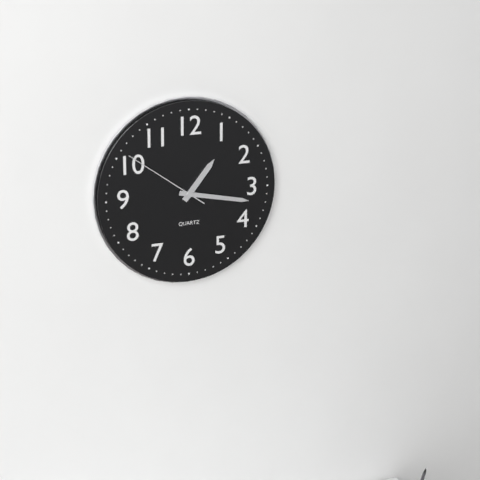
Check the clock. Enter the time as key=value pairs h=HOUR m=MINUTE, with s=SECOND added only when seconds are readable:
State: h=1 m=17 s=51
